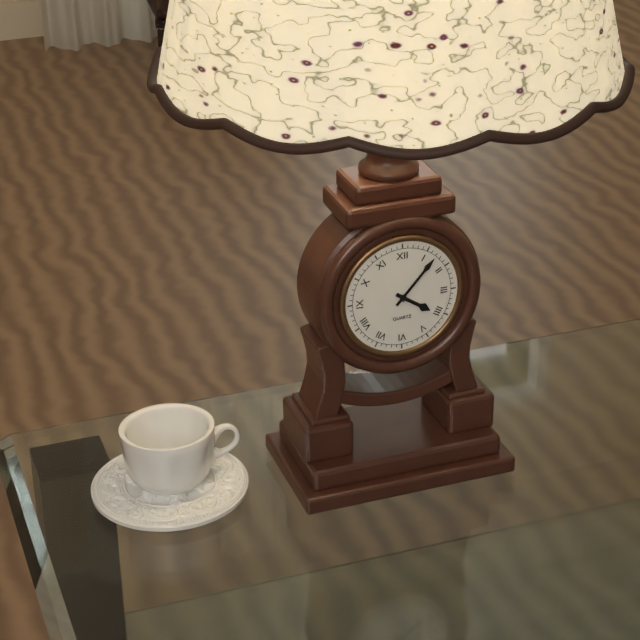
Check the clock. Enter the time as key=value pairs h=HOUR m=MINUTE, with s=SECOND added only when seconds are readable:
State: h=4 m=7
